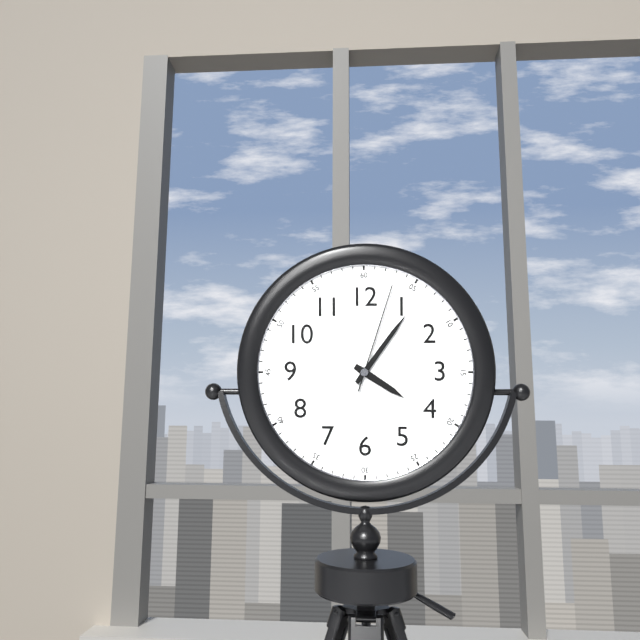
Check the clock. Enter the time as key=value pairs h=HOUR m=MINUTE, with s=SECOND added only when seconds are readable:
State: h=4 m=6 s=3
